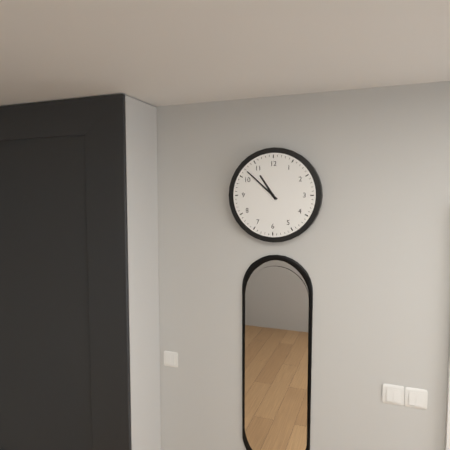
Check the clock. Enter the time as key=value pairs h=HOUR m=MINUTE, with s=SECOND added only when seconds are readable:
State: h=10 m=52
